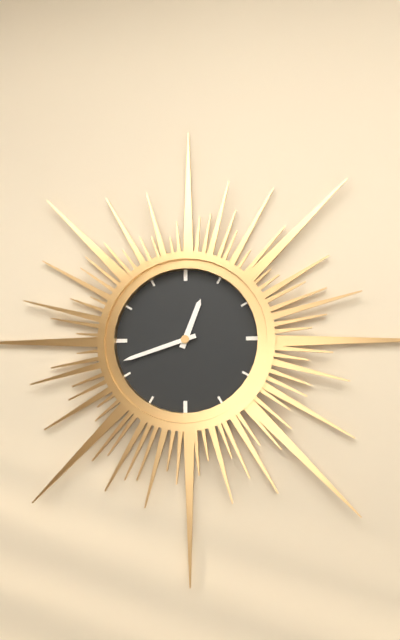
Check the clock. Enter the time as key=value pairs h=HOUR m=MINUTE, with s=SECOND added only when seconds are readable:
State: h=12 m=42
